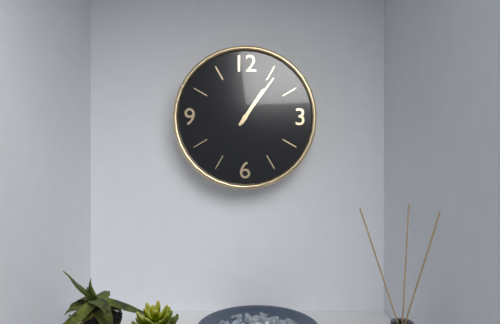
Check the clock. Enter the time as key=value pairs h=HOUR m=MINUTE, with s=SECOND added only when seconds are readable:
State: h=1 m=6
